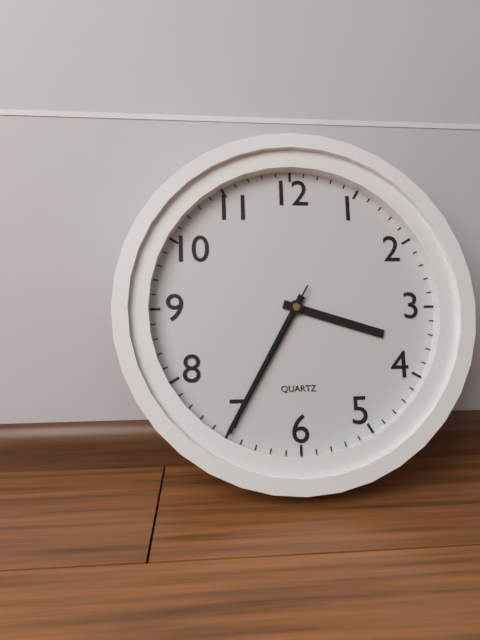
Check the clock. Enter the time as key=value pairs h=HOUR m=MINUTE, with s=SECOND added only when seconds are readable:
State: h=3 m=35 s=35
